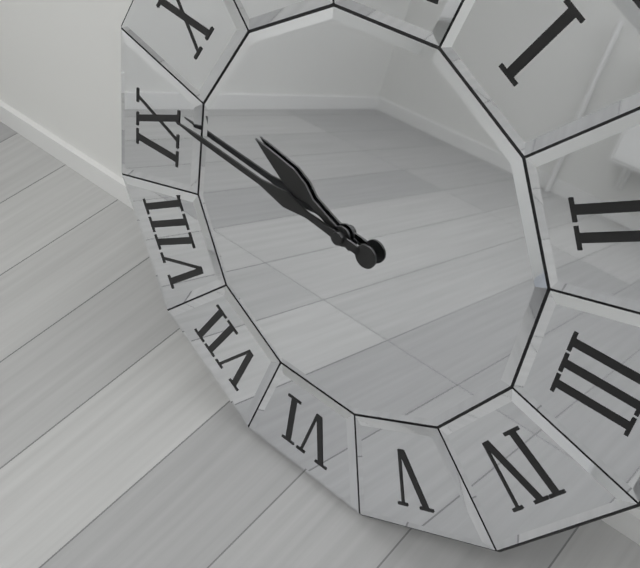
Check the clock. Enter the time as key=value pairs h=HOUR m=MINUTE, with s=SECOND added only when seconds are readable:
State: h=9 m=46
